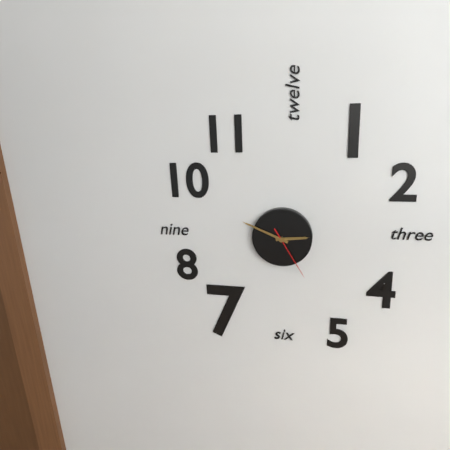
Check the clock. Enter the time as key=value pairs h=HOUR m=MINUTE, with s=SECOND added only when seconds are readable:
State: h=2 m=49 s=25
